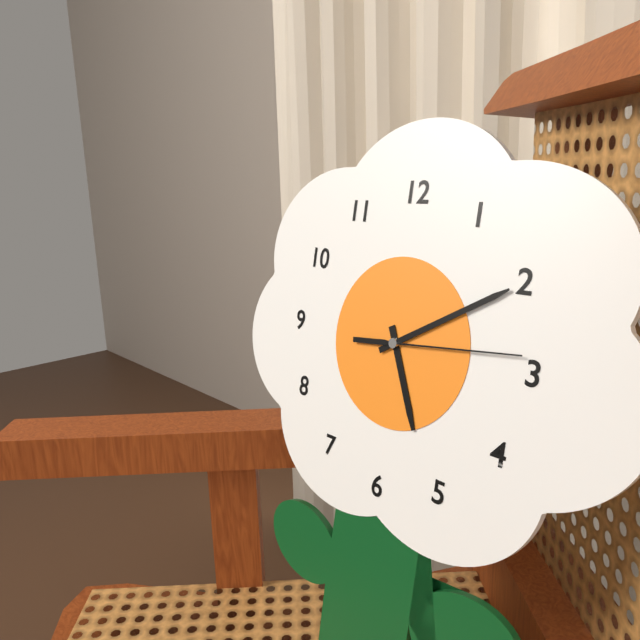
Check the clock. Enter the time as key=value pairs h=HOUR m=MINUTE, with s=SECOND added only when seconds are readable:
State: h=5 m=10 s=14
